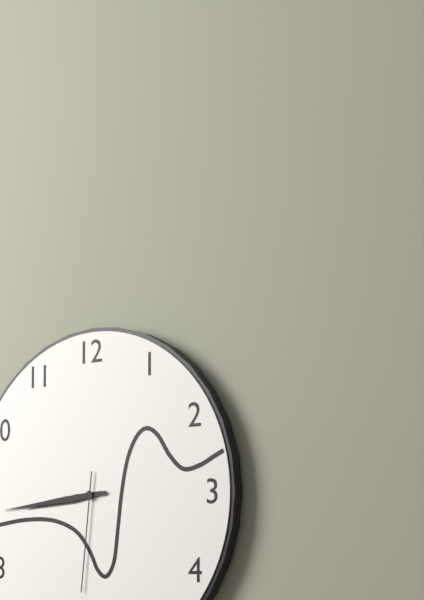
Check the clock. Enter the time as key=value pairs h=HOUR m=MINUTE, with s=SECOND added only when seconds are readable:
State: h=8 m=44 s=31
